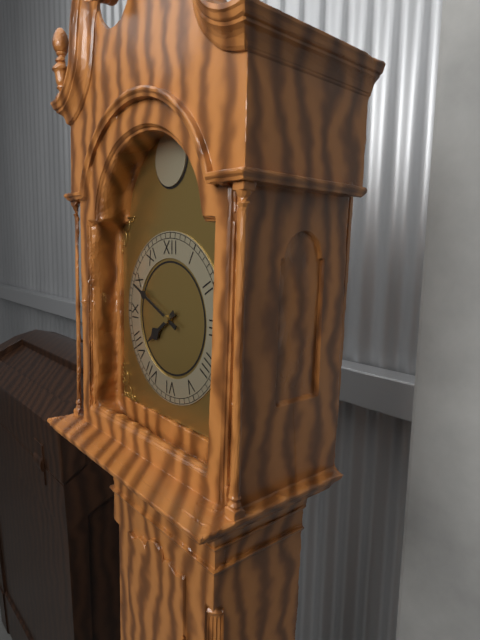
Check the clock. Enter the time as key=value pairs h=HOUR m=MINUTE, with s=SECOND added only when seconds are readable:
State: h=7 m=49
